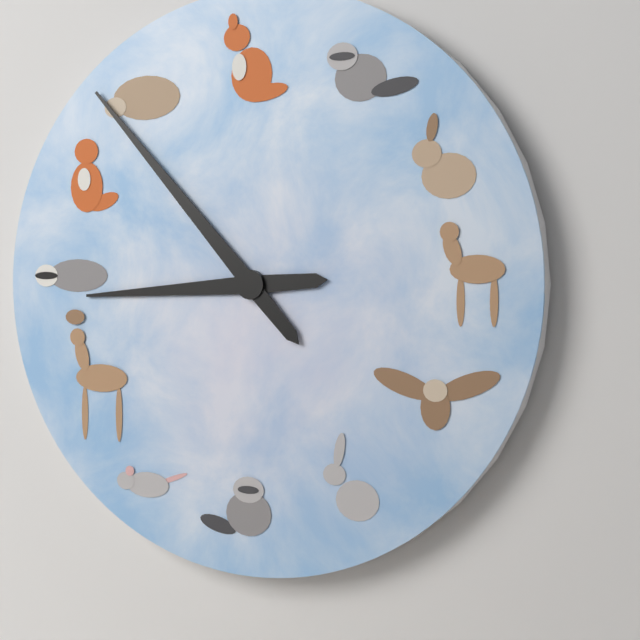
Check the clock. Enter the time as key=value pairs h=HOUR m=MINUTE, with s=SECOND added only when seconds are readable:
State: h=8 m=53
